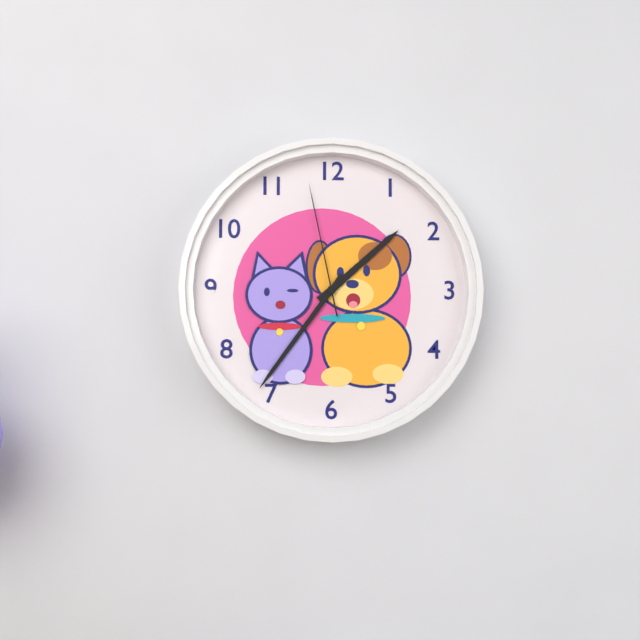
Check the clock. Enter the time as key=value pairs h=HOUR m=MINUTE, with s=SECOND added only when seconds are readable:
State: h=1 m=36 s=58
